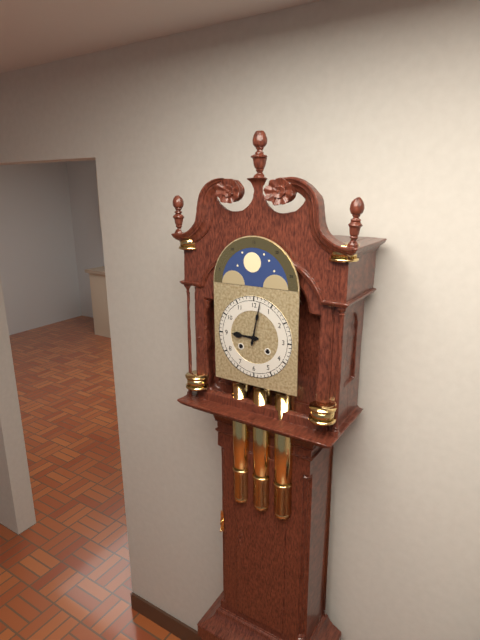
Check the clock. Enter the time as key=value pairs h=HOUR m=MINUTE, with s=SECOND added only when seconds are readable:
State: h=9 m=2
